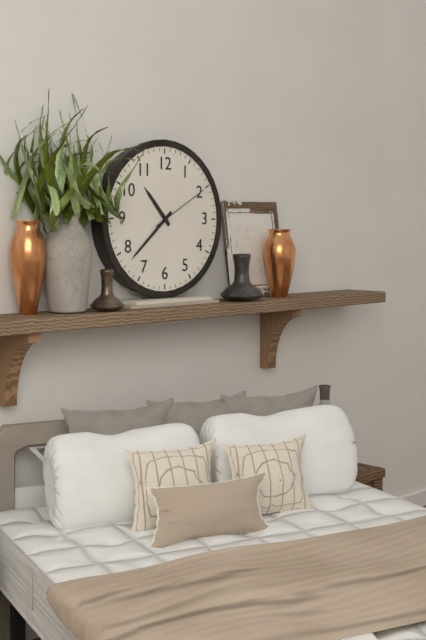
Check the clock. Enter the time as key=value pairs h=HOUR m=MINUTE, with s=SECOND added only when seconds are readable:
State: h=10 m=38 s=10
